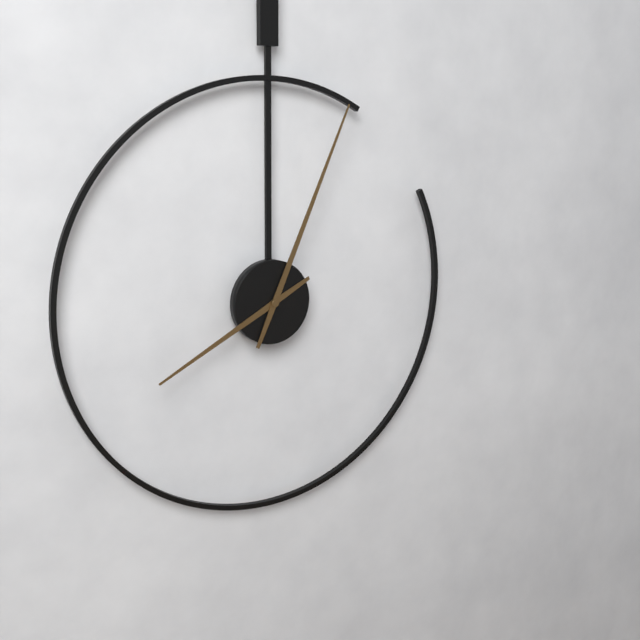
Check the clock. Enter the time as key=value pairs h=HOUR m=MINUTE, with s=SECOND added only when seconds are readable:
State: h=8 m=4
